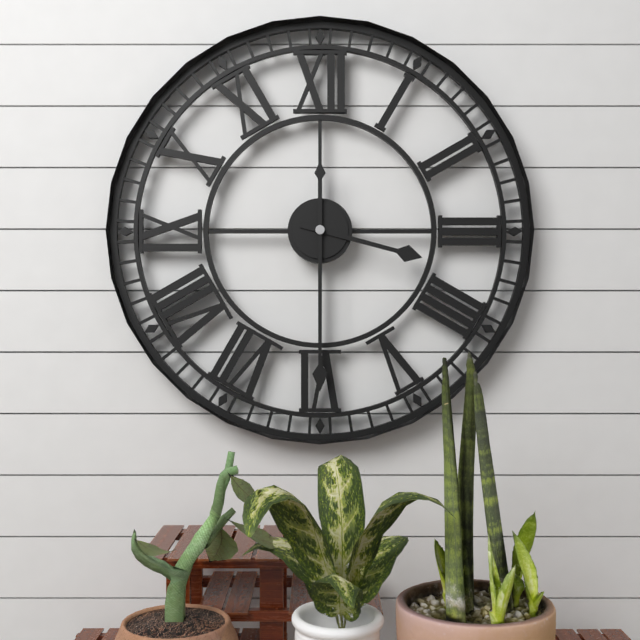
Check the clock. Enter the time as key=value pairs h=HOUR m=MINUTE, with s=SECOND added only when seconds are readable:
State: h=3 m=30
